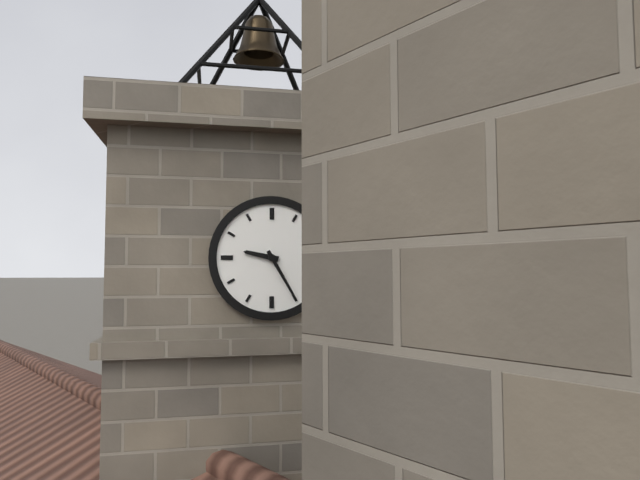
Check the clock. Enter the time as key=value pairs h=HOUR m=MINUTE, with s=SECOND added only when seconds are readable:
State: h=9 m=25
